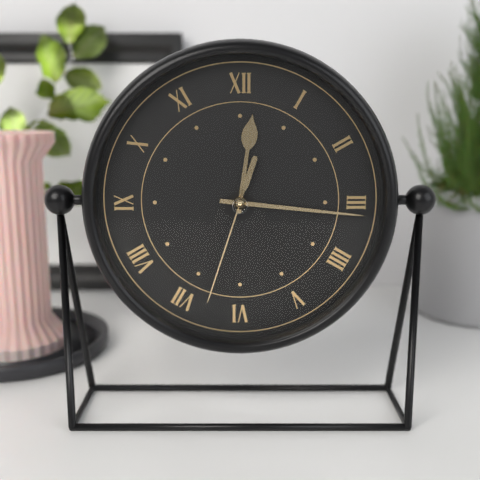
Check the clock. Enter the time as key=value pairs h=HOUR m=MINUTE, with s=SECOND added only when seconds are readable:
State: h=12 m=16 s=33
